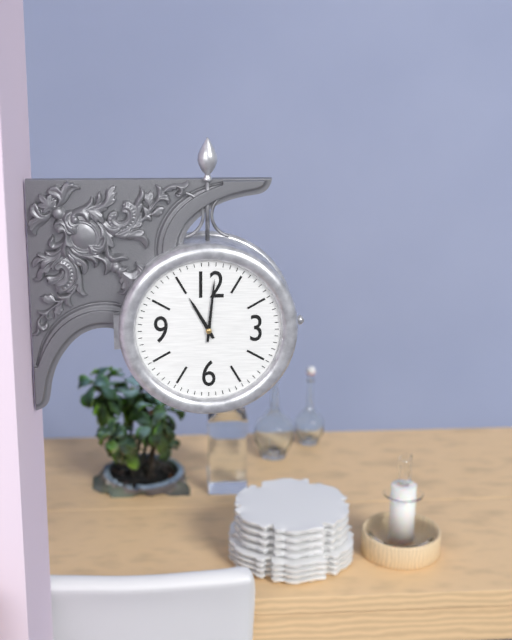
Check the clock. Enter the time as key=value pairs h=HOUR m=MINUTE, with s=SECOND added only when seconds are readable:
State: h=11 m=1
